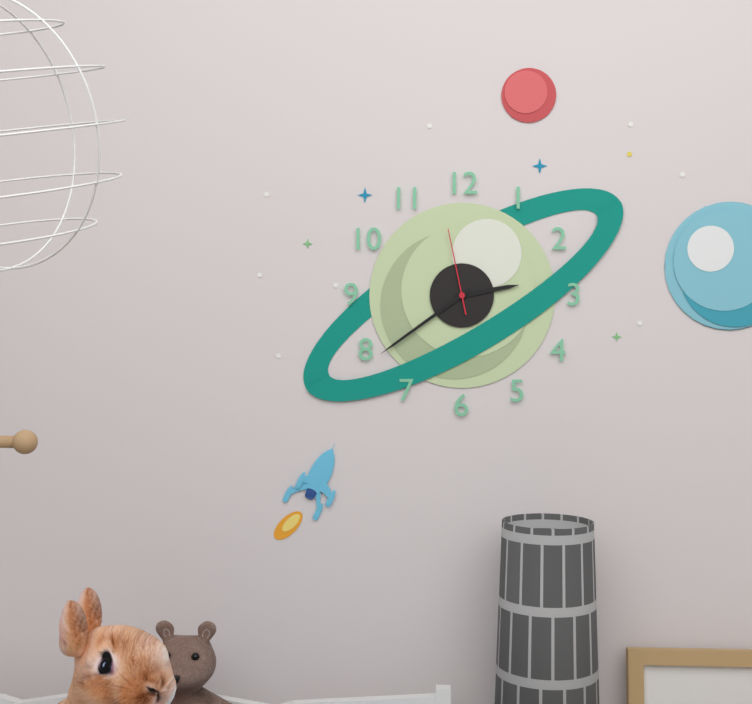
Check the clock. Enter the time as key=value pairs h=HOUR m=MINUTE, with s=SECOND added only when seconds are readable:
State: h=2 m=39 s=58
